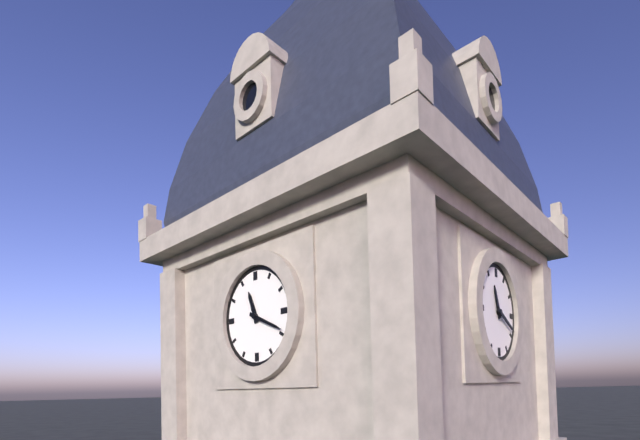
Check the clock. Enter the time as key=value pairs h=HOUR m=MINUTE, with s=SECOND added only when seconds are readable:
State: h=11 m=19
